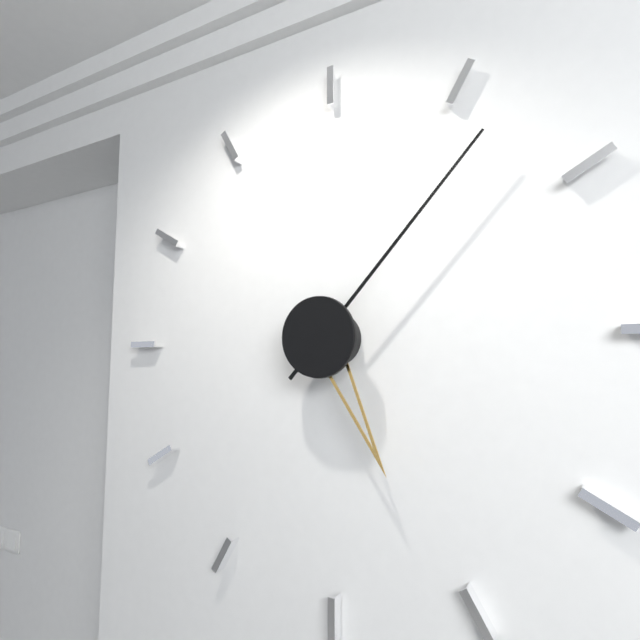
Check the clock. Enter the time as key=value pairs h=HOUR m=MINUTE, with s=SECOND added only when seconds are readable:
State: h=5 m=7
